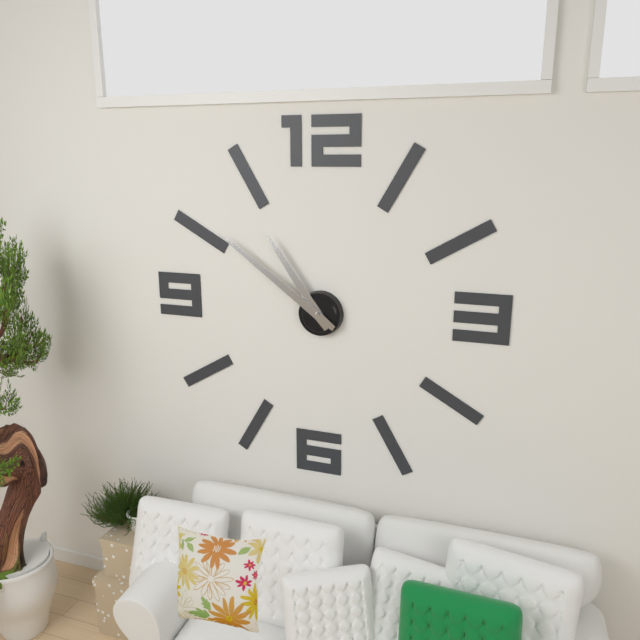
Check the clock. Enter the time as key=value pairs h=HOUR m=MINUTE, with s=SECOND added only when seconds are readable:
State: h=10 m=51
